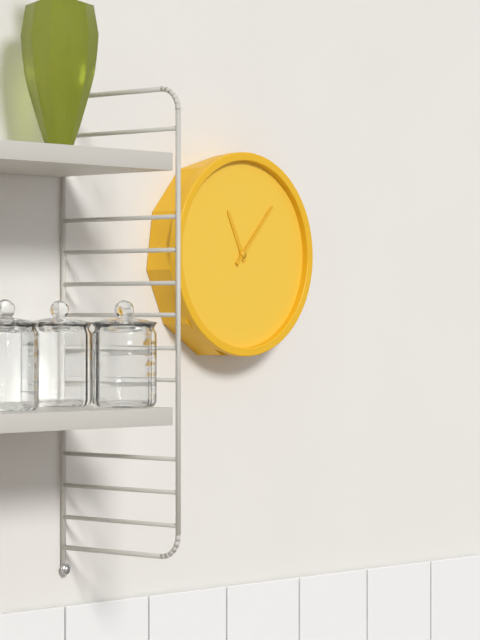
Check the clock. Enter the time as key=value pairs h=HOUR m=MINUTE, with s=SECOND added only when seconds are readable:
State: h=11 m=7
